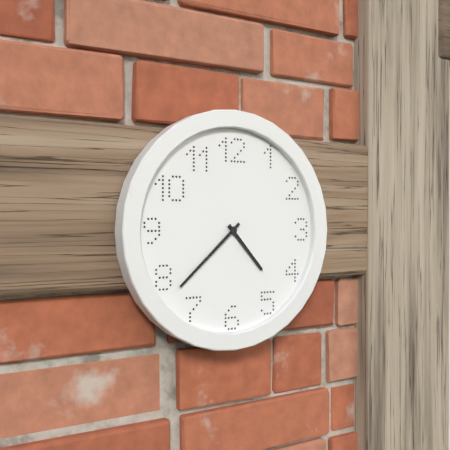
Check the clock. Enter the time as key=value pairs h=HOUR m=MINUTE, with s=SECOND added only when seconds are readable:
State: h=4 m=38
